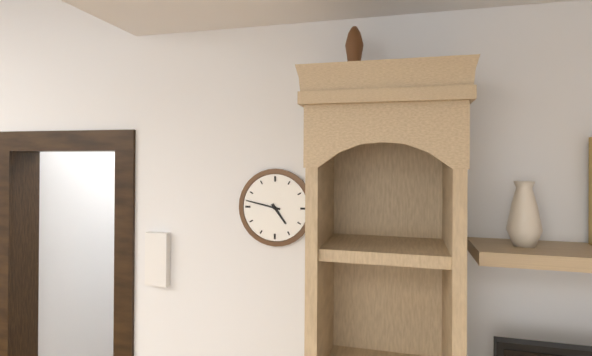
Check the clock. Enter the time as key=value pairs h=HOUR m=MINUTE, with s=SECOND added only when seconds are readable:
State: h=4 m=47
